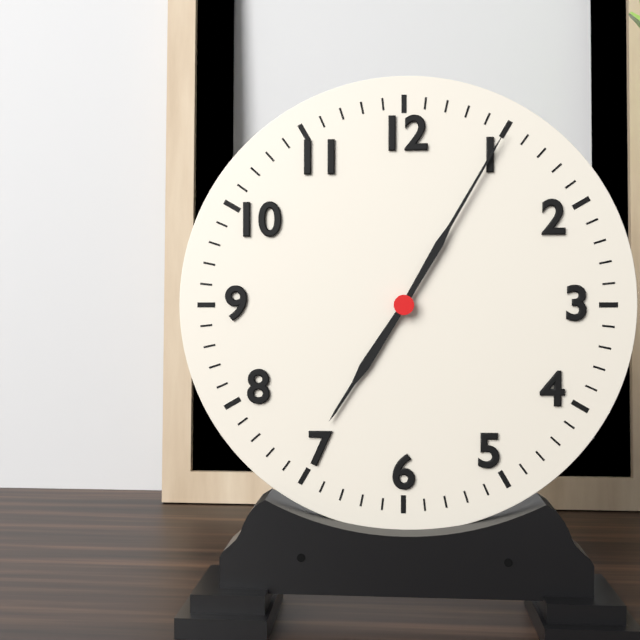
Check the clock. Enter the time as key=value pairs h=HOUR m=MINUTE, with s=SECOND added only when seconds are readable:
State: h=7 m=5
